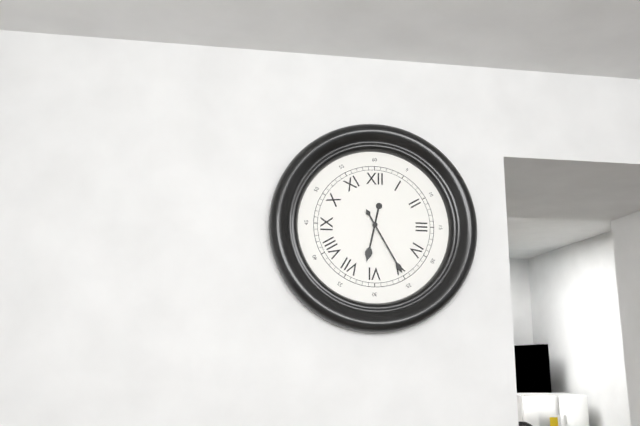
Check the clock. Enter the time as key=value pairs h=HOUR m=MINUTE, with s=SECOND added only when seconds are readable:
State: h=6 m=25
